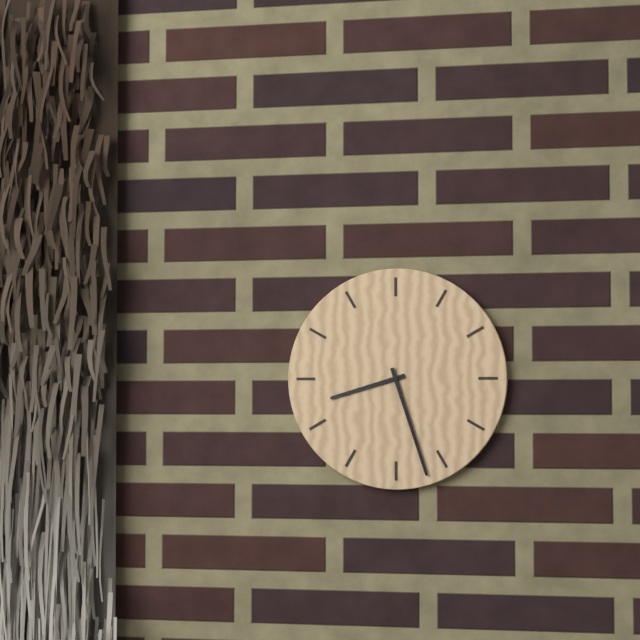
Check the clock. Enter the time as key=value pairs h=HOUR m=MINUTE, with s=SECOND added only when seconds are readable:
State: h=8 m=27
